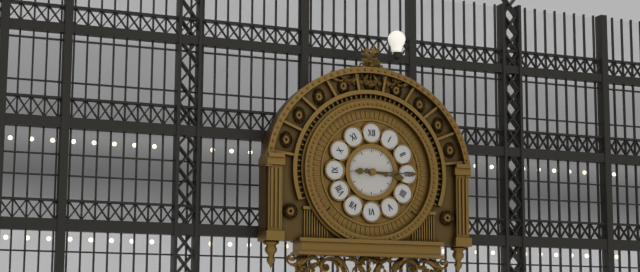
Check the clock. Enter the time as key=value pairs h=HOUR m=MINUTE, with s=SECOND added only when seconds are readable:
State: h=3 m=15
